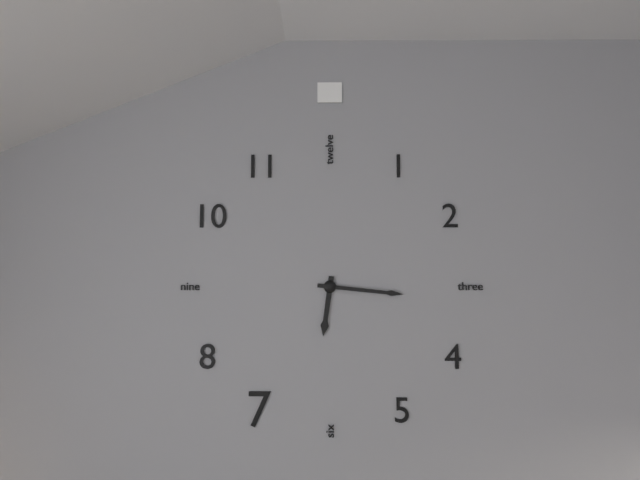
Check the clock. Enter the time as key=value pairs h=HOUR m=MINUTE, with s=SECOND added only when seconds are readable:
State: h=6 m=16
